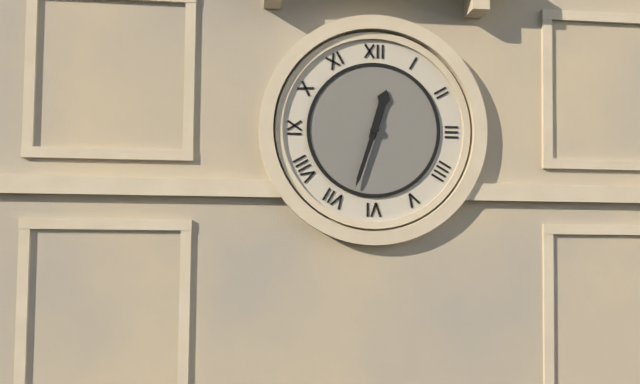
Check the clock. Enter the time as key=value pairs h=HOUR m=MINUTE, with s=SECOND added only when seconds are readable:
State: h=12 m=33
